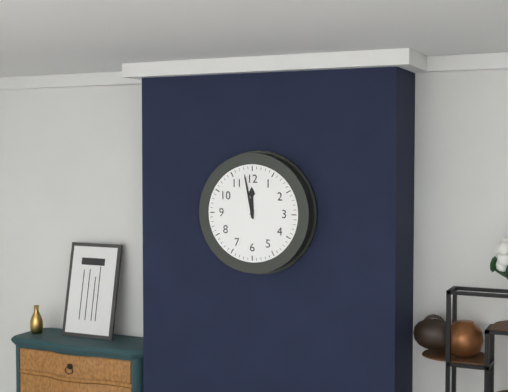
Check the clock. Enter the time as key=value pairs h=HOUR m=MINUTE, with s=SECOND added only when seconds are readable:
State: h=11 m=58
